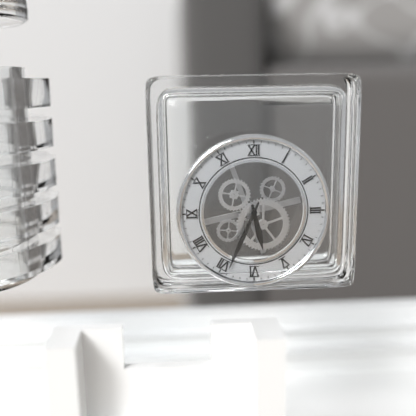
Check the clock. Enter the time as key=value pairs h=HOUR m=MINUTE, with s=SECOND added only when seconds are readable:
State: h=5 m=34
